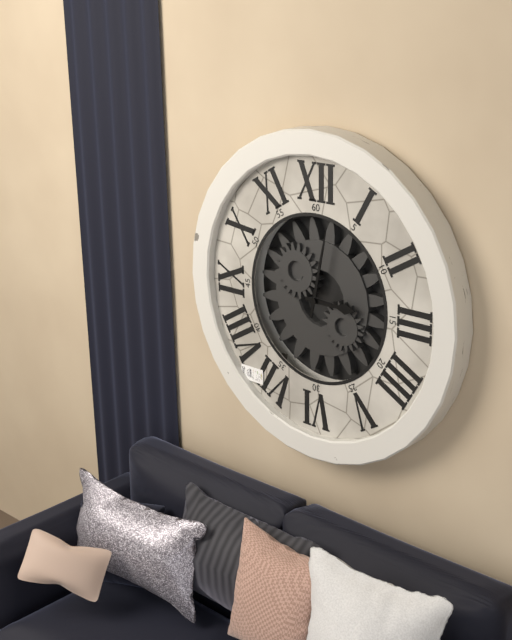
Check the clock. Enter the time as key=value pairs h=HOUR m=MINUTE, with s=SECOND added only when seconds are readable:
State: h=3 m=2
